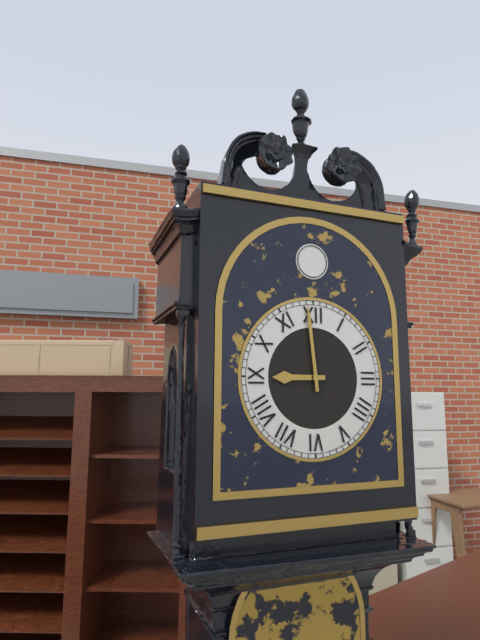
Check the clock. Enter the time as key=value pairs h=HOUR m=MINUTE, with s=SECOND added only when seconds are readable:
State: h=8 m=59
